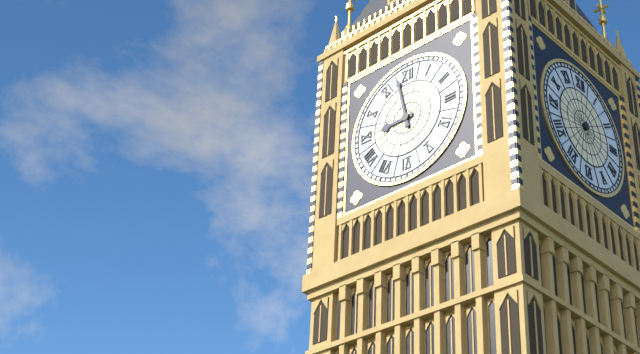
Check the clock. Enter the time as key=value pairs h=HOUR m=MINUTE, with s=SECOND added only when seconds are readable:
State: h=8 m=58
